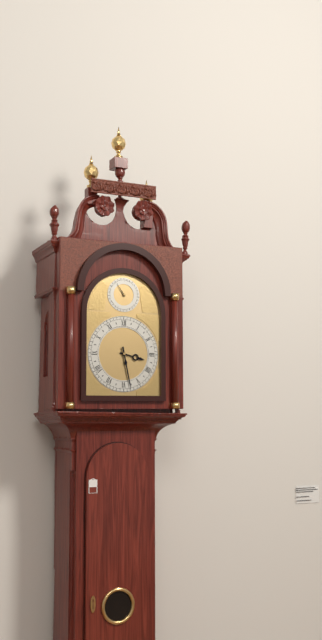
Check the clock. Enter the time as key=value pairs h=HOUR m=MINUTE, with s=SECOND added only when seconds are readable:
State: h=3 m=28
